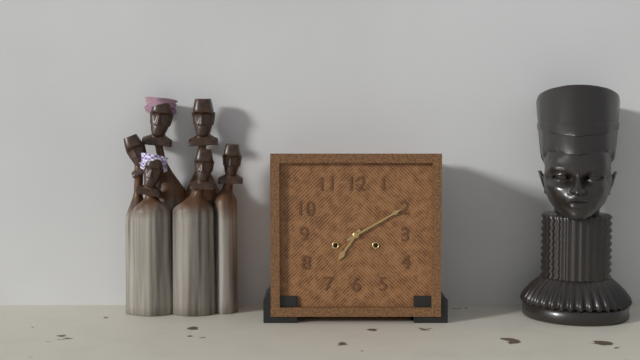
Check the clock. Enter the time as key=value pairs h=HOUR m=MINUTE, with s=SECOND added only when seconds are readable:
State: h=7 m=10
